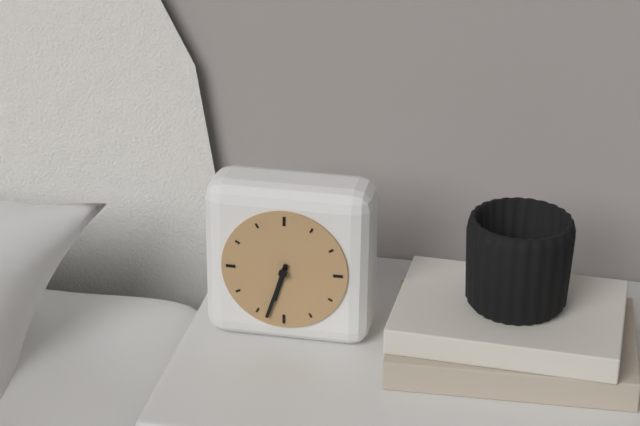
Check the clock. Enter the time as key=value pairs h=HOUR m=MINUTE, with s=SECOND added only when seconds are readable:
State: h=6 m=33
